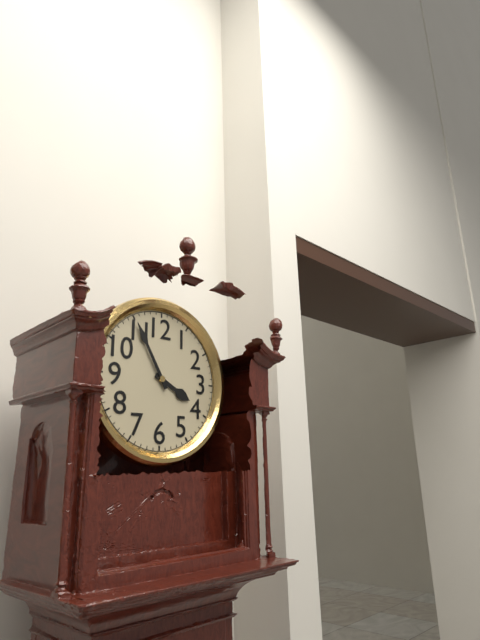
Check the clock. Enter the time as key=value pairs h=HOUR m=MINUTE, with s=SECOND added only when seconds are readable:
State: h=3 m=55
